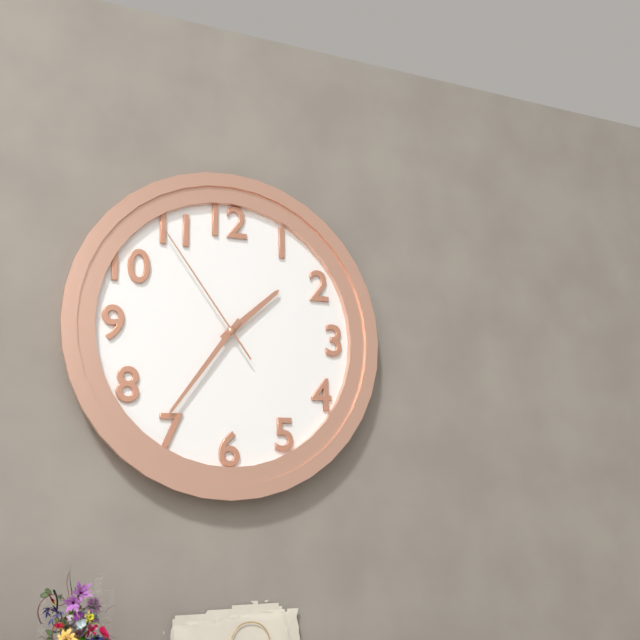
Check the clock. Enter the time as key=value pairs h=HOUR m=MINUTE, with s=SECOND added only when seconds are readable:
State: h=1 m=36 s=54
